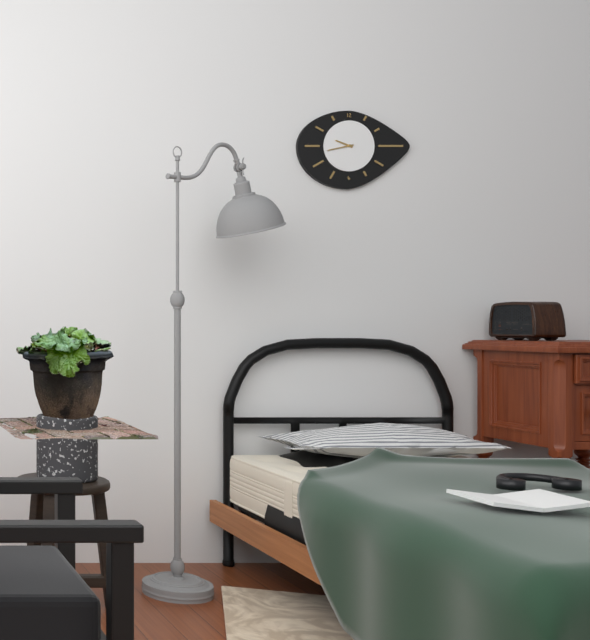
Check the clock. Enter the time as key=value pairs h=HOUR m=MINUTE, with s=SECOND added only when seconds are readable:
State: h=9 m=43
